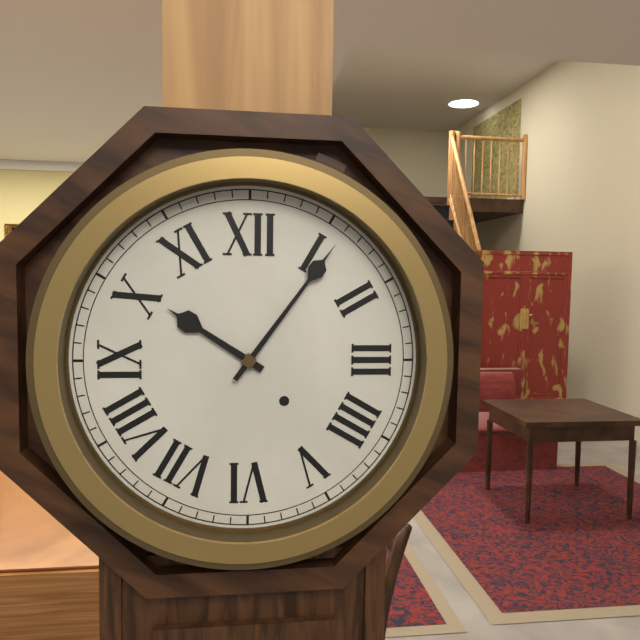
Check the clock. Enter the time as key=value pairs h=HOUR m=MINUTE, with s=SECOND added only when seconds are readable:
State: h=10 m=6
